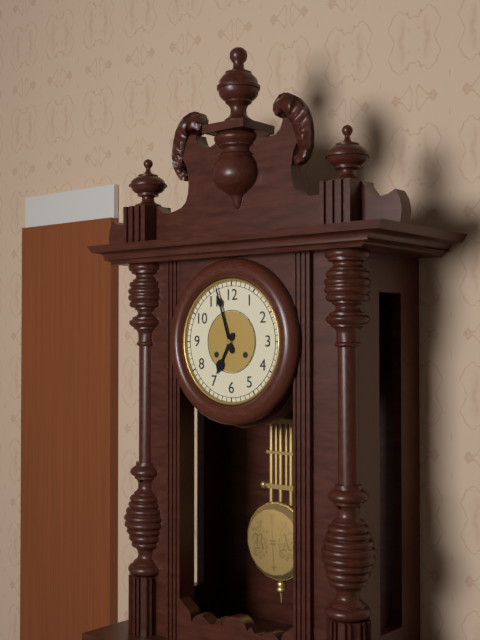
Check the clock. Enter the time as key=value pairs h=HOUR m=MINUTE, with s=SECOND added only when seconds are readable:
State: h=6 m=57
